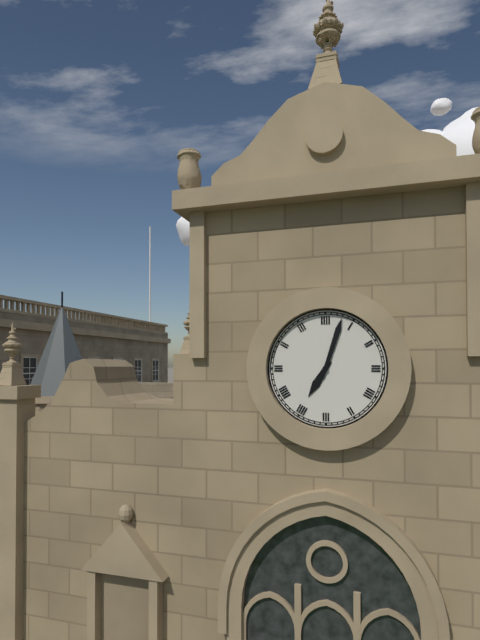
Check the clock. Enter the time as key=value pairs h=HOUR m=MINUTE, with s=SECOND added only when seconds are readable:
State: h=7 m=3
